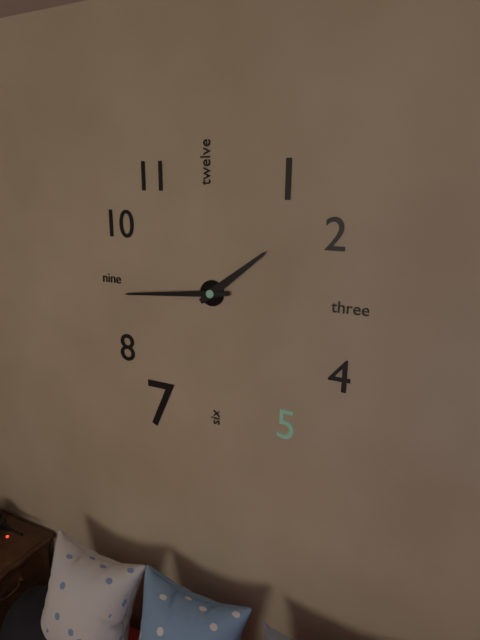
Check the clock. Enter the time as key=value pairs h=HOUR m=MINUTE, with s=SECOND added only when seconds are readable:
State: h=1 m=44
